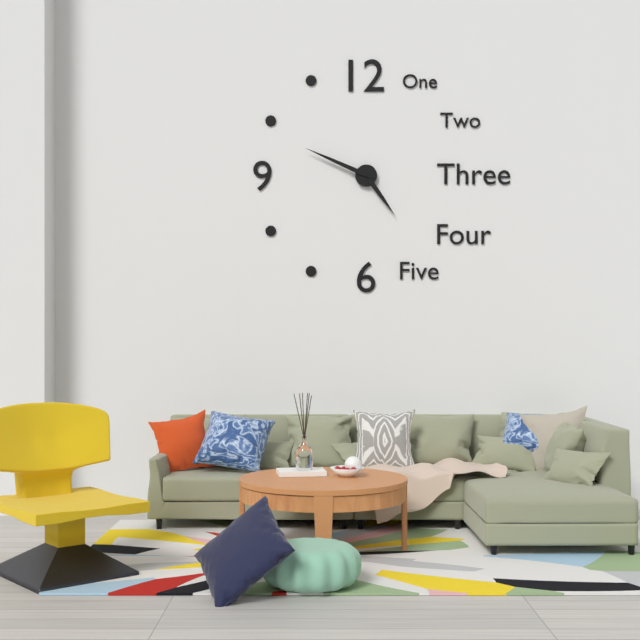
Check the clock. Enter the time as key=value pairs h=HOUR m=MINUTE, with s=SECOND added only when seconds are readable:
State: h=4 m=49
